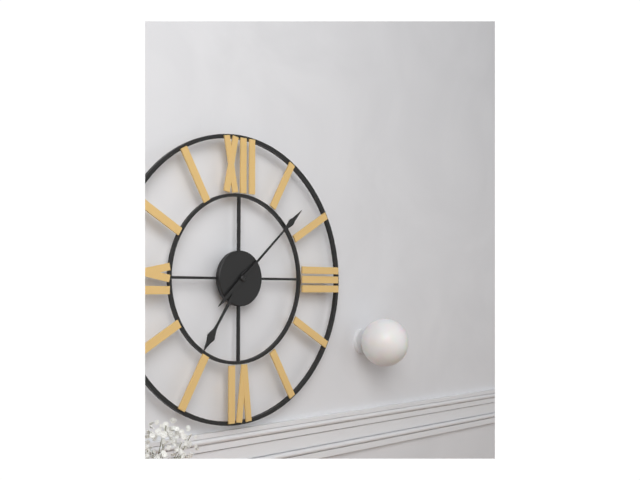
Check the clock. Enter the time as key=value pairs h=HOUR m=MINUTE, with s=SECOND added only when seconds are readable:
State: h=7 m=8
